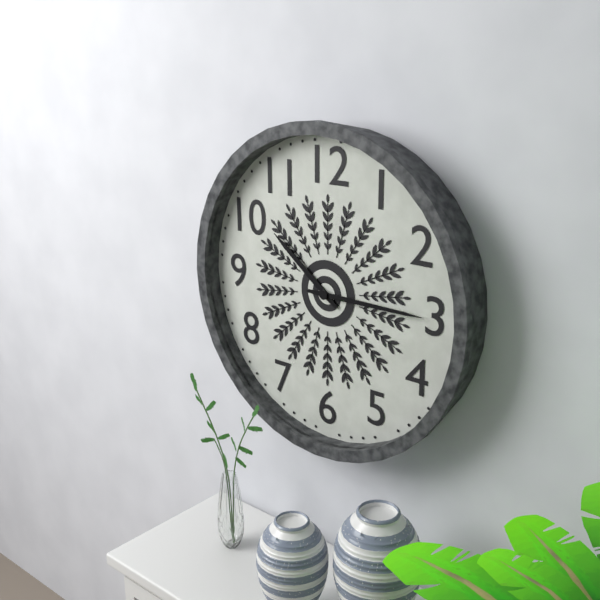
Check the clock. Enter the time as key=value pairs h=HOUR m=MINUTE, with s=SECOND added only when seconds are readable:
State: h=10 m=15
